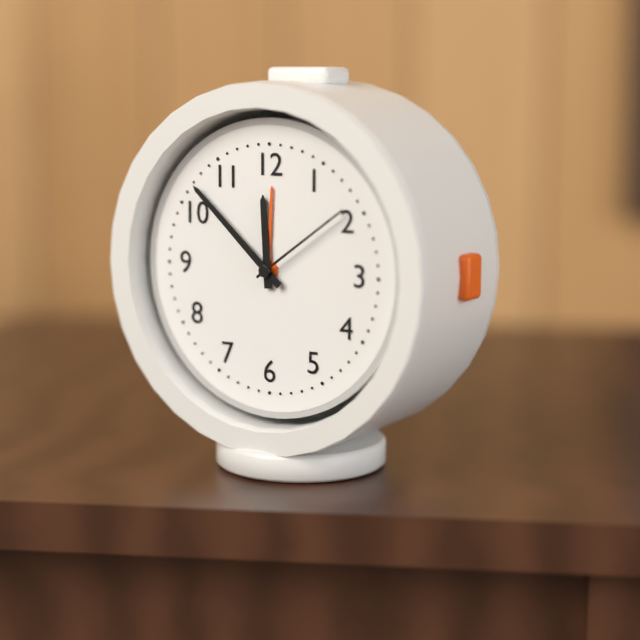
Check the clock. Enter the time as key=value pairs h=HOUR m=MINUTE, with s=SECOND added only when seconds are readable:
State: h=11 m=52 s=9
